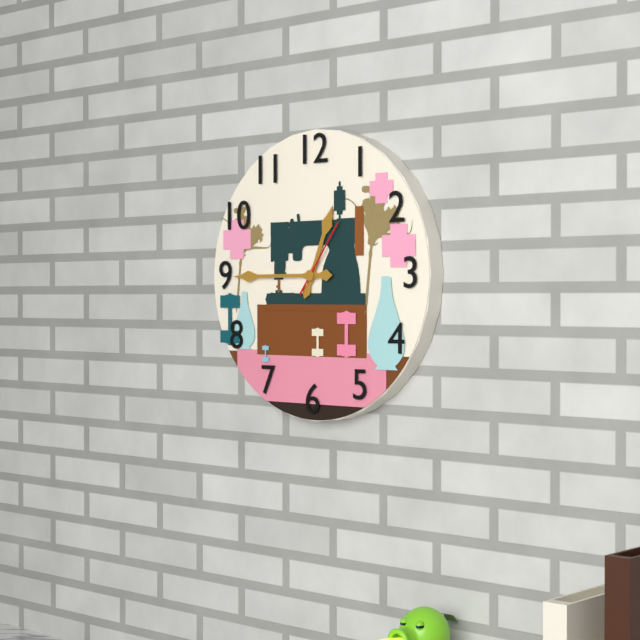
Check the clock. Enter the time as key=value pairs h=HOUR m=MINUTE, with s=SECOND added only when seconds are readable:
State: h=12 m=45 s=6
